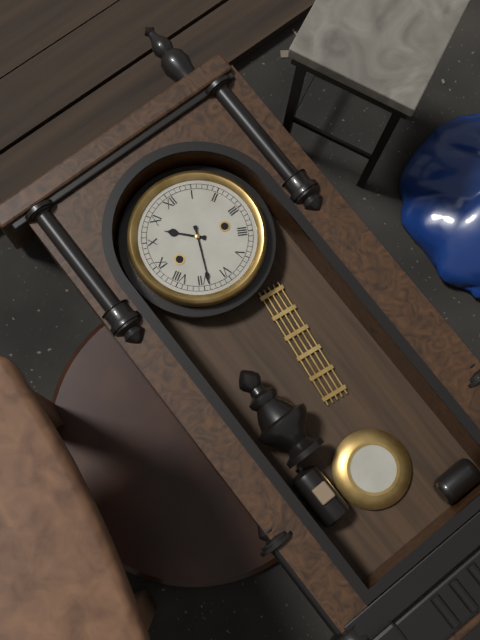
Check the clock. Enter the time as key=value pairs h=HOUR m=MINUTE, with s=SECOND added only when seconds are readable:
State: h=10 m=34
